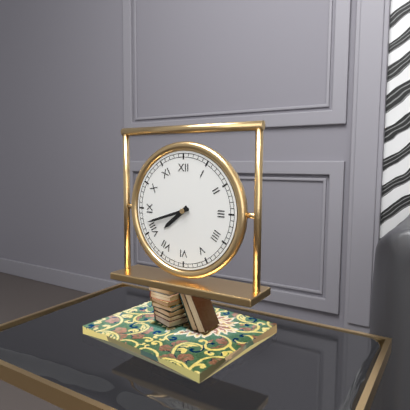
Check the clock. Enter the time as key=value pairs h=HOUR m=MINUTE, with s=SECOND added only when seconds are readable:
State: h=7 m=42
